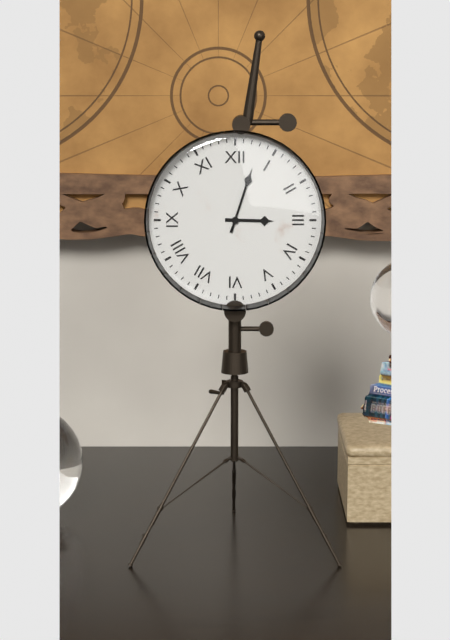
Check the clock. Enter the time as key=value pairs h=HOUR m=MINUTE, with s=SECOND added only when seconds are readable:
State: h=3 m=3
